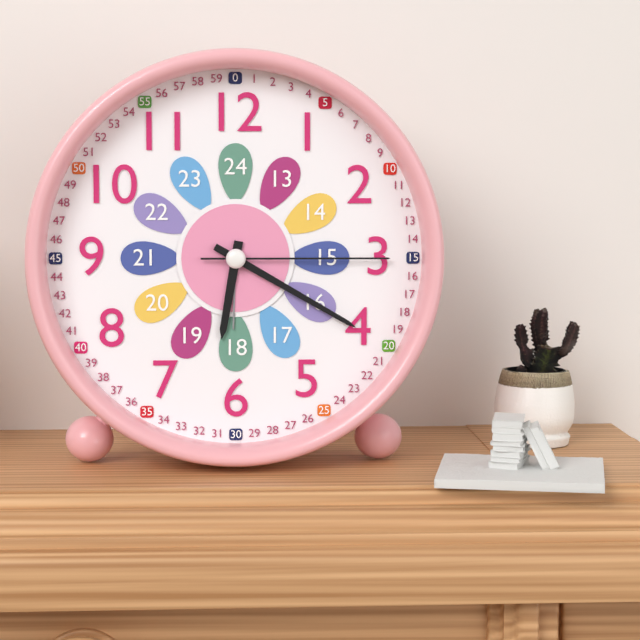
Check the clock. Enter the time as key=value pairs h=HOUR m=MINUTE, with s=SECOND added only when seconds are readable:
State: h=6 m=20 s=15
